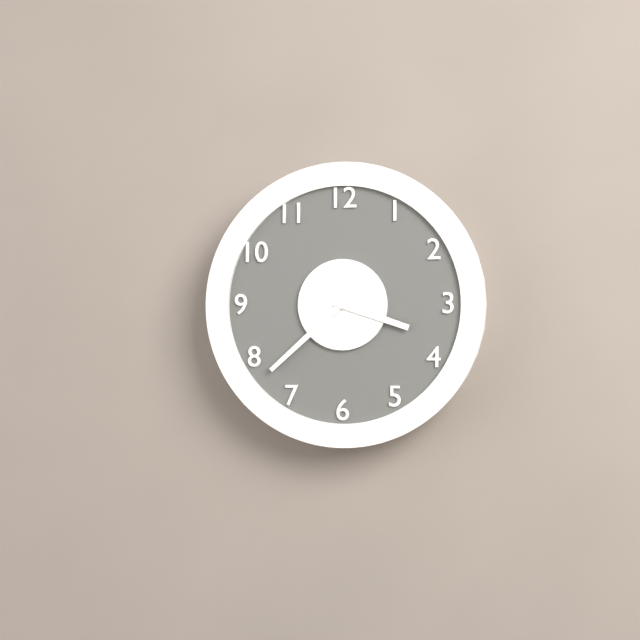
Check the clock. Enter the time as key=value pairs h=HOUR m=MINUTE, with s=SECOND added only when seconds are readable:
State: h=3 m=38
